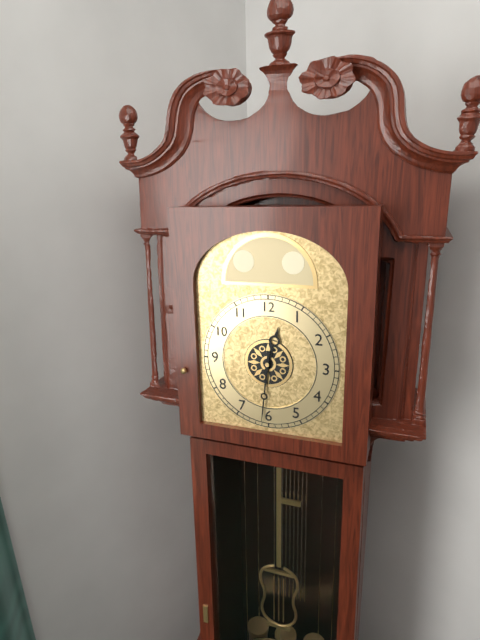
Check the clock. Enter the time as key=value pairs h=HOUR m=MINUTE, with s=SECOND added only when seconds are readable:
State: h=12 m=31
